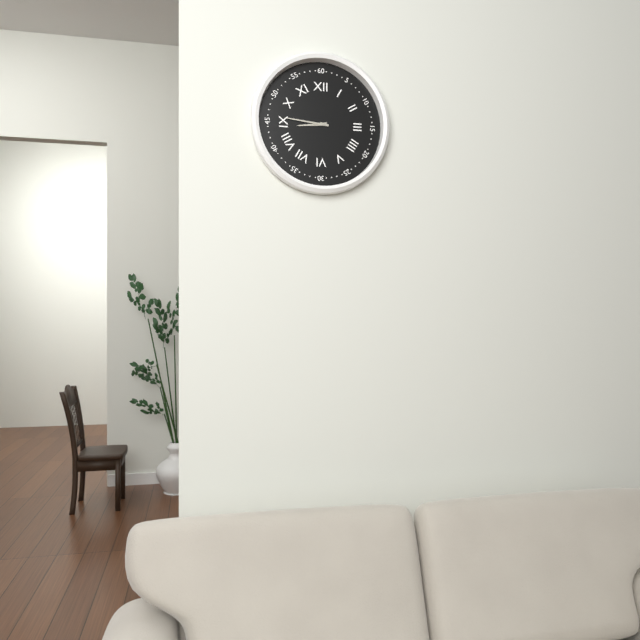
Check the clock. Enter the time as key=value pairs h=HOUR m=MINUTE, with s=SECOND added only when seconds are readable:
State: h=8 m=46
